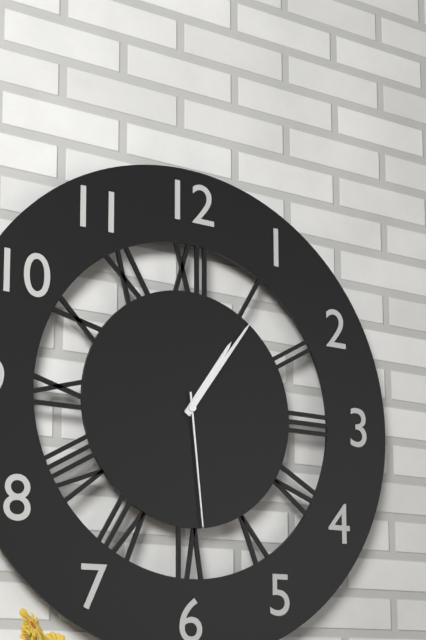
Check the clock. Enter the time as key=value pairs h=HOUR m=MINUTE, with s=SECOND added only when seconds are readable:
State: h=1 m=6 s=29
